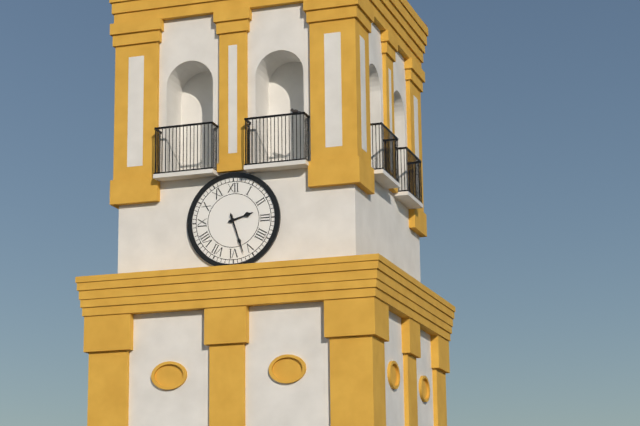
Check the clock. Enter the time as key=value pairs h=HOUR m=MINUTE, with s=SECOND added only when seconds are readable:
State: h=2 m=27
